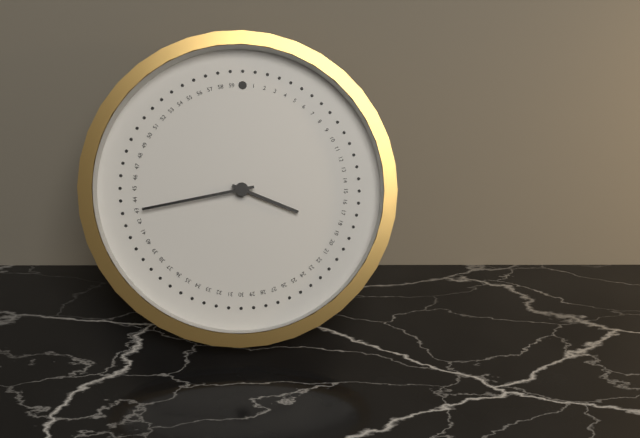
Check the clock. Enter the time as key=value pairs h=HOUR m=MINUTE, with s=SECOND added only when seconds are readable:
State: h=3 m=43
